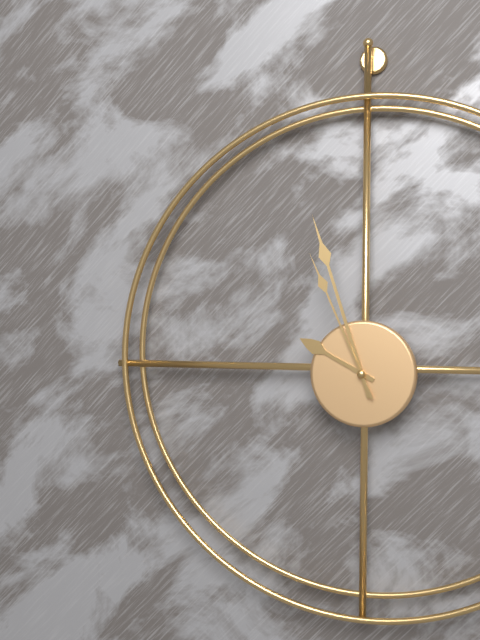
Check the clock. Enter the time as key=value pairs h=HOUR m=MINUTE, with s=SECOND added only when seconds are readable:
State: h=9 m=57 s=56
